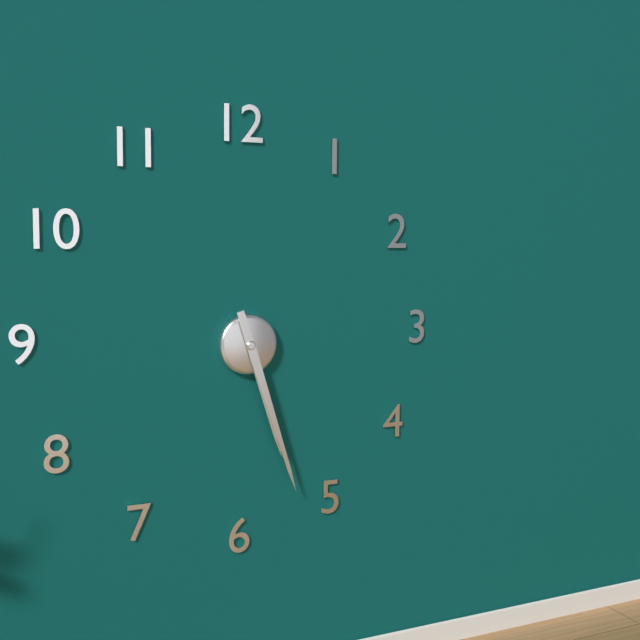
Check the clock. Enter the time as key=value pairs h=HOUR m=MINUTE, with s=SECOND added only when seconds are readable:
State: h=5 m=27
